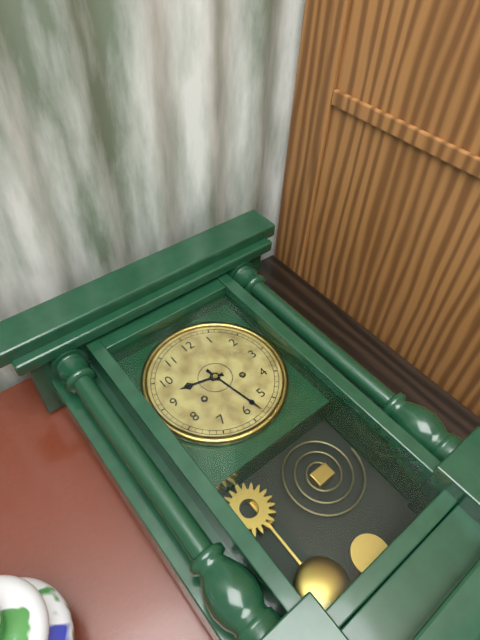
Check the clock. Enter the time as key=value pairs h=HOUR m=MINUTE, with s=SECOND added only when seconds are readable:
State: h=9 m=28
